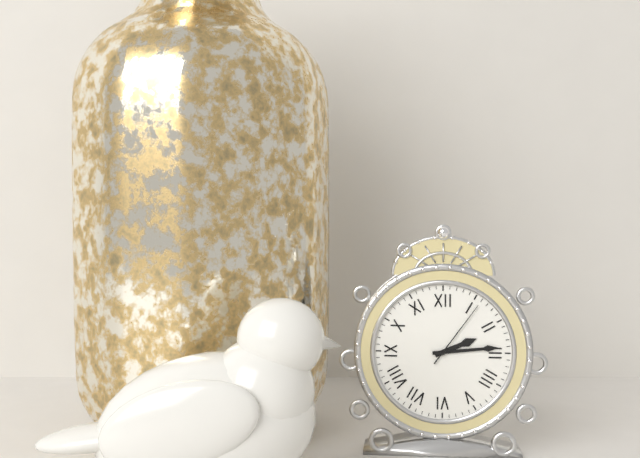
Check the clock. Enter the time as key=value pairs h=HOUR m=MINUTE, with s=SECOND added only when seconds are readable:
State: h=2 m=14 s=6
